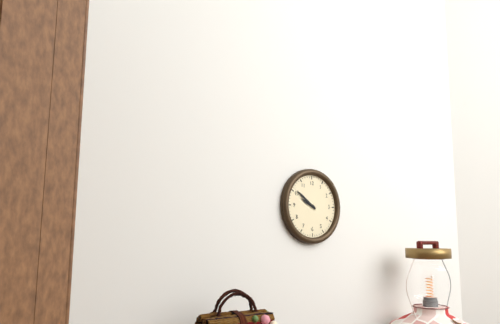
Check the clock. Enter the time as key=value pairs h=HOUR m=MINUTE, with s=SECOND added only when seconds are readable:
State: h=9 m=51
